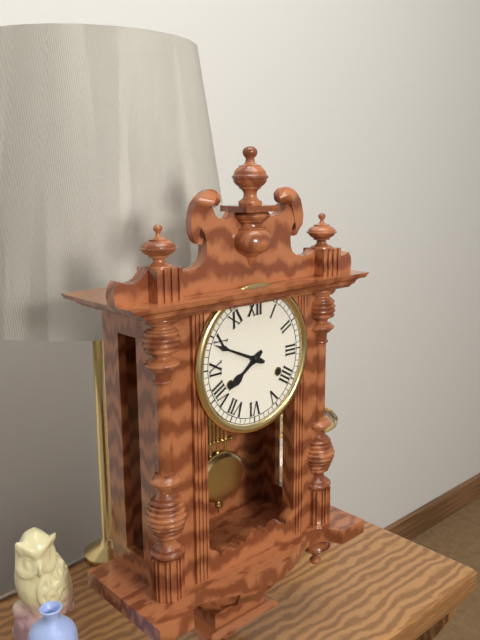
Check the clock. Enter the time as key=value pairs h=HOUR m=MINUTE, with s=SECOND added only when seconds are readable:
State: h=7 m=49
